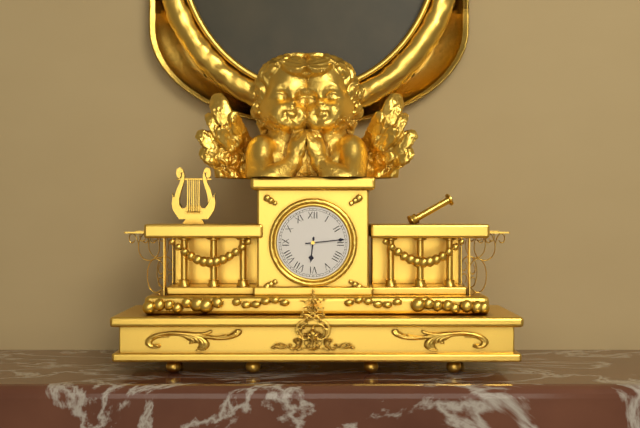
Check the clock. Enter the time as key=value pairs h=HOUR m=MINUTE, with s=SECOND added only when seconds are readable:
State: h=6 m=14
